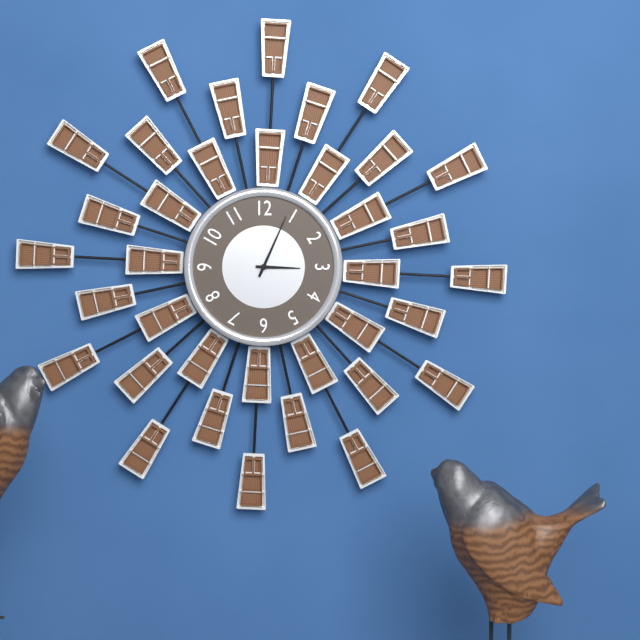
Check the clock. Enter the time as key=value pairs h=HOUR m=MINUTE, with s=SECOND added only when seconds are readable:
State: h=3 m=4
